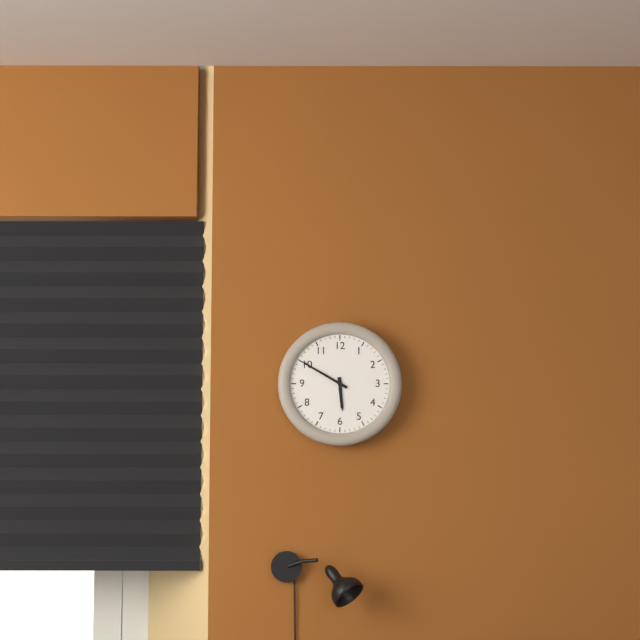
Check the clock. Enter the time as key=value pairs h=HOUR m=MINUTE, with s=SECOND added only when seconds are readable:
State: h=5 m=50
